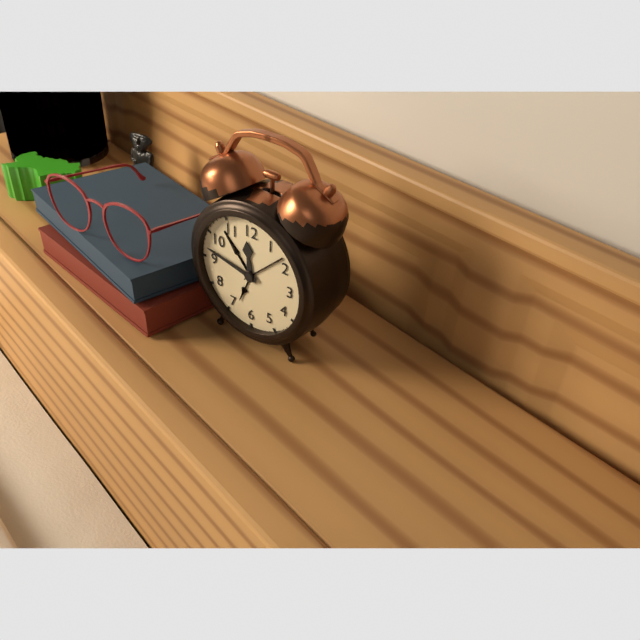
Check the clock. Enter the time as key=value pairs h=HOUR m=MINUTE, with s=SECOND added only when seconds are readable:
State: h=11 m=47
